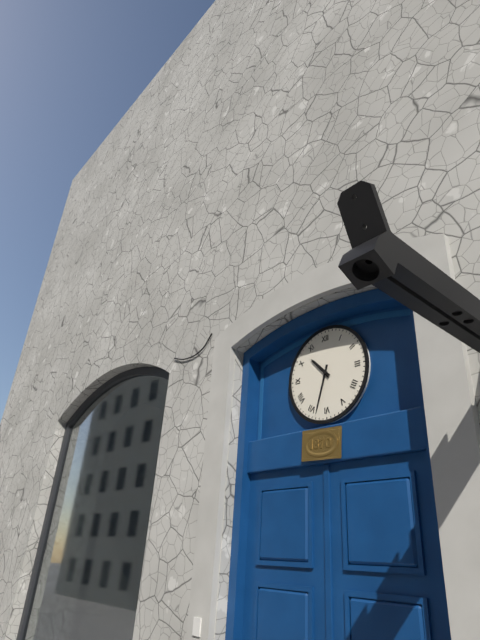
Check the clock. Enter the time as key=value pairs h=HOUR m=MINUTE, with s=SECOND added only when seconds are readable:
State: h=10 m=33
